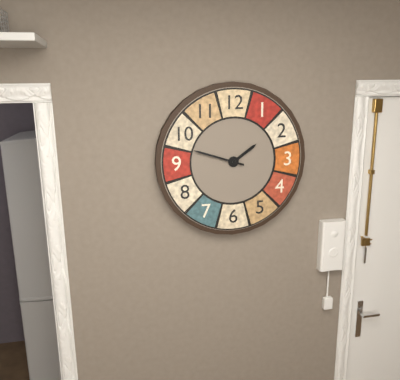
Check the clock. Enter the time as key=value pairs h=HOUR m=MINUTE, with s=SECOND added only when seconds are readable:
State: h=1 m=48
